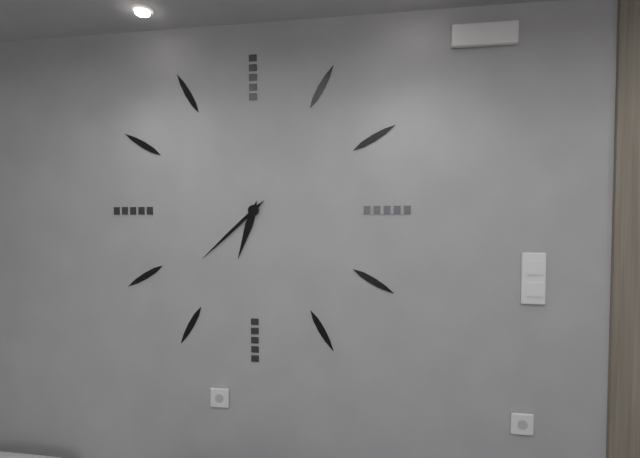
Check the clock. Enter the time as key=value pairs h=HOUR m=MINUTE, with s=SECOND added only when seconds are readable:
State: h=6 m=38
